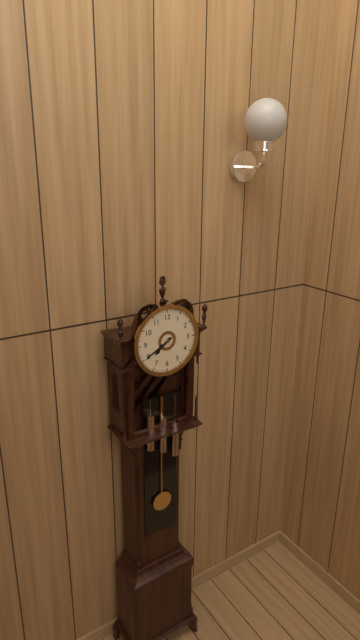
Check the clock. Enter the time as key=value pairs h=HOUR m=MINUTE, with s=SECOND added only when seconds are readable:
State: h=7 m=40
